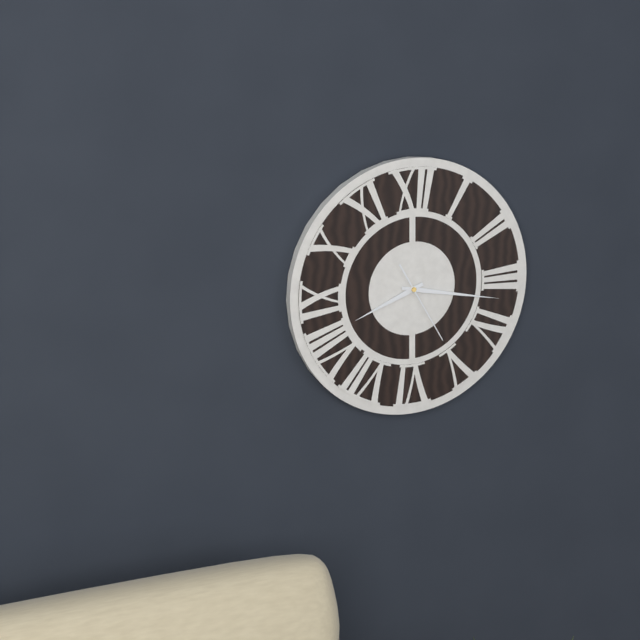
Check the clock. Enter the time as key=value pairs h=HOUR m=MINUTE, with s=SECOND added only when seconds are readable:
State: h=8 m=17 s=25
